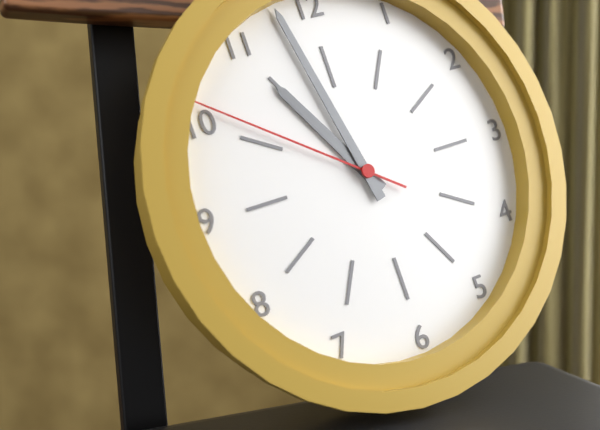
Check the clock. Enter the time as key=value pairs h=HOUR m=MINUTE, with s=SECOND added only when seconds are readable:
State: h=10 m=58 s=51
